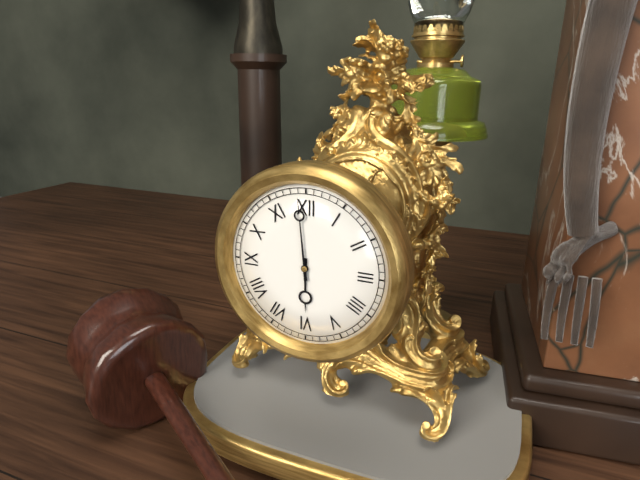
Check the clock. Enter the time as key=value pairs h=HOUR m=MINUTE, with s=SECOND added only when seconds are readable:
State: h=5 m=59
